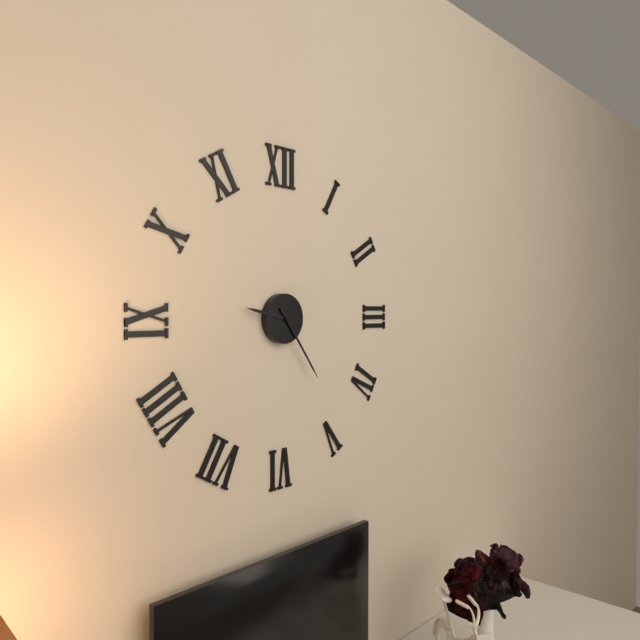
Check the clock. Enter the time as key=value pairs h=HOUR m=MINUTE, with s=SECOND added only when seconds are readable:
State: h=9 m=24
